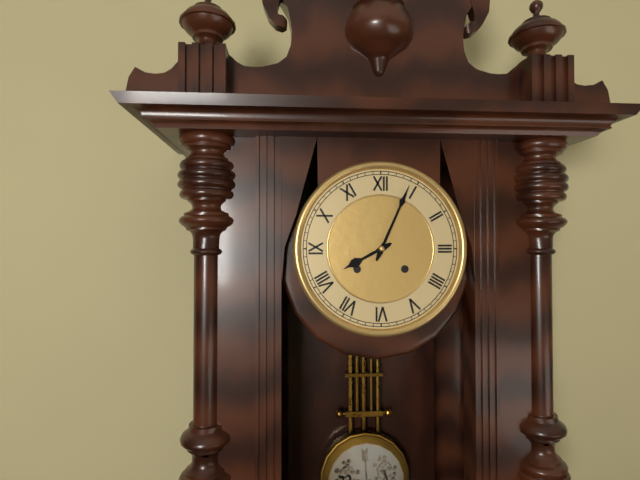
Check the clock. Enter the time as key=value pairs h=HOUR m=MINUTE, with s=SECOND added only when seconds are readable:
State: h=8 m=4
